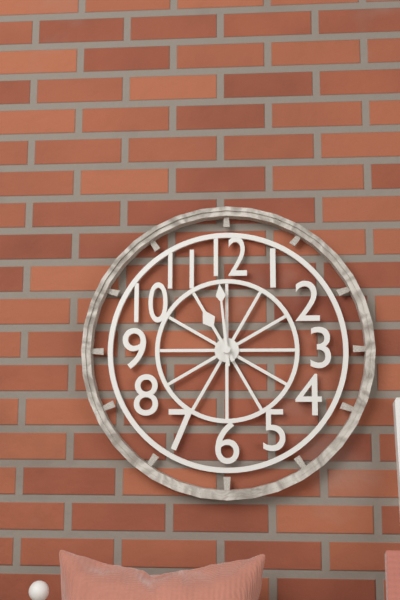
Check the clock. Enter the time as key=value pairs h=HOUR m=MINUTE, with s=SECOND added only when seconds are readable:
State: h=10 m=59
